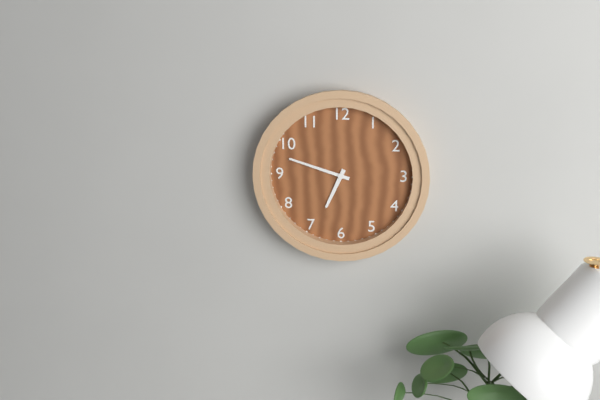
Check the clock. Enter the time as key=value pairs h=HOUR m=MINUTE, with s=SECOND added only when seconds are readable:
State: h=6 m=48
